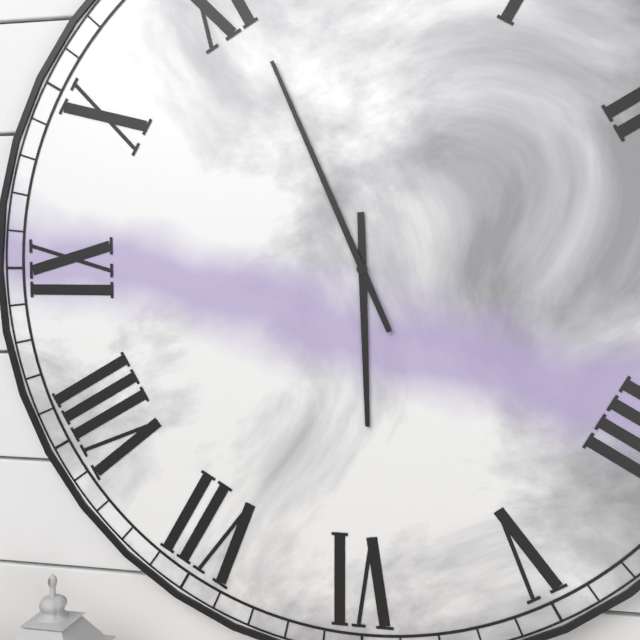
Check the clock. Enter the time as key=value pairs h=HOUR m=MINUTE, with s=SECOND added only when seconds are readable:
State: h=5 m=56
